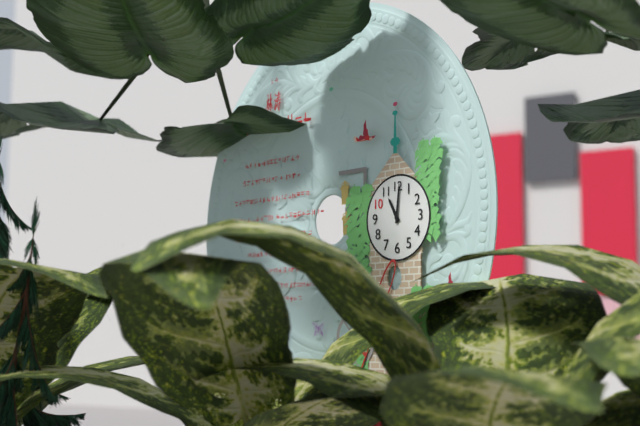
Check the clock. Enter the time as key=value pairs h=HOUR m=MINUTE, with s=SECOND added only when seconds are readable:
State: h=11 m=1
